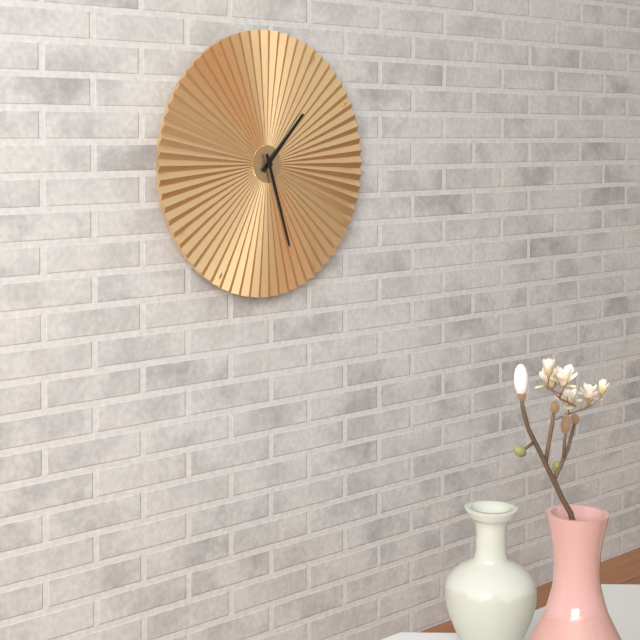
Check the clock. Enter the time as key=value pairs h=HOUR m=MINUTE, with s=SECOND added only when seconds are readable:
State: h=1 m=27
